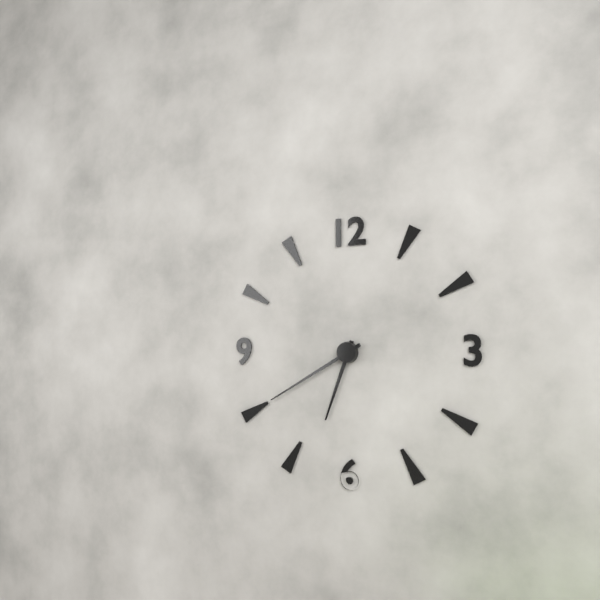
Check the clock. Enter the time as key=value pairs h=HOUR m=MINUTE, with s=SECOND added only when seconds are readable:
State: h=6 m=40
